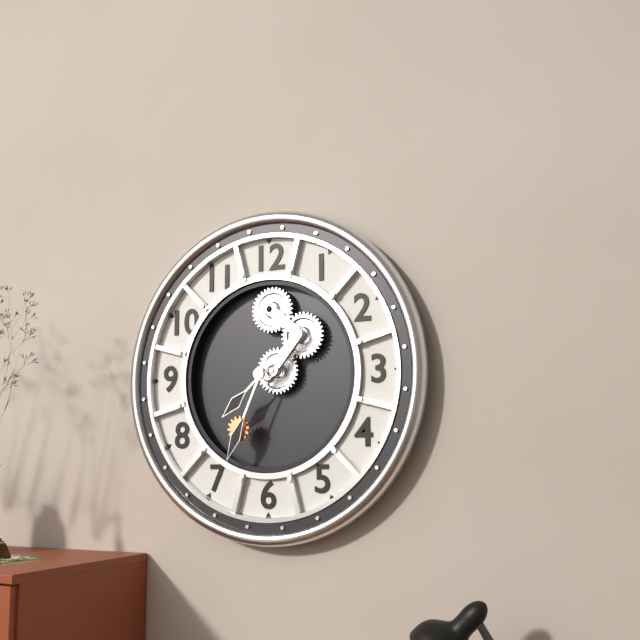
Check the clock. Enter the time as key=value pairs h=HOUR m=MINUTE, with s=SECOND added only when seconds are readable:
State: h=7 m=34
